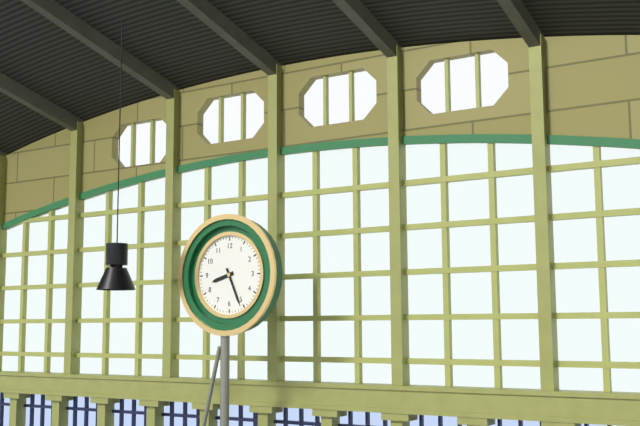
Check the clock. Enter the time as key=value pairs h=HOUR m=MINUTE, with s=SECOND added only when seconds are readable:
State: h=8 m=26
